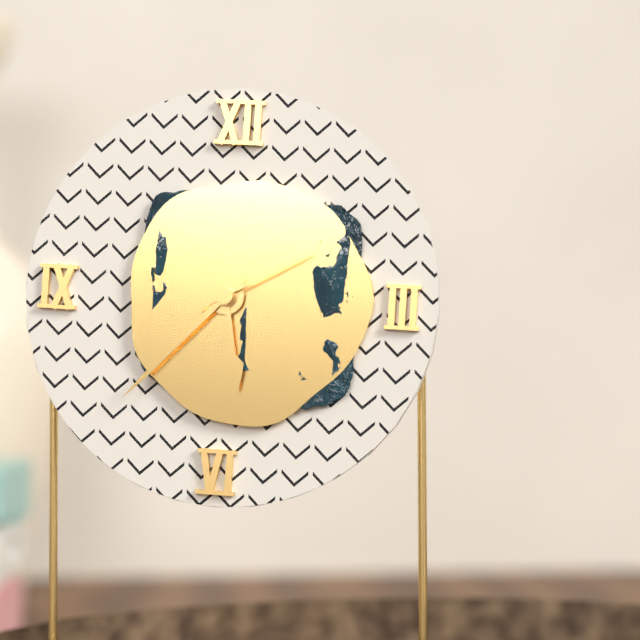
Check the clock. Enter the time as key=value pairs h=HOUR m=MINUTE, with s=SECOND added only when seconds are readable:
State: h=5 m=37 s=10
